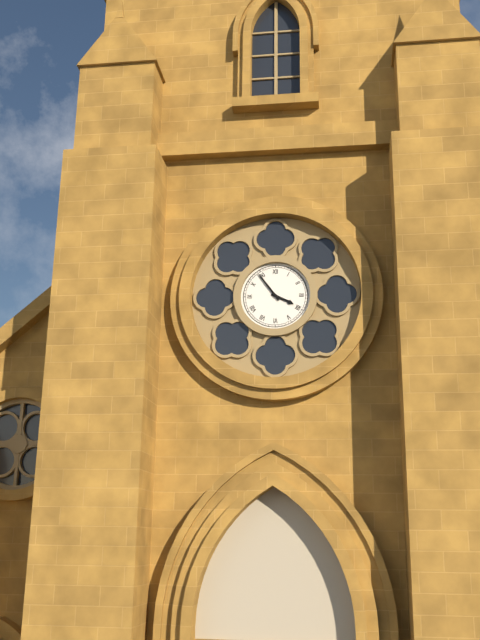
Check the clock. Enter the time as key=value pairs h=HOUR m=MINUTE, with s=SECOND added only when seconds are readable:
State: h=3 m=54
